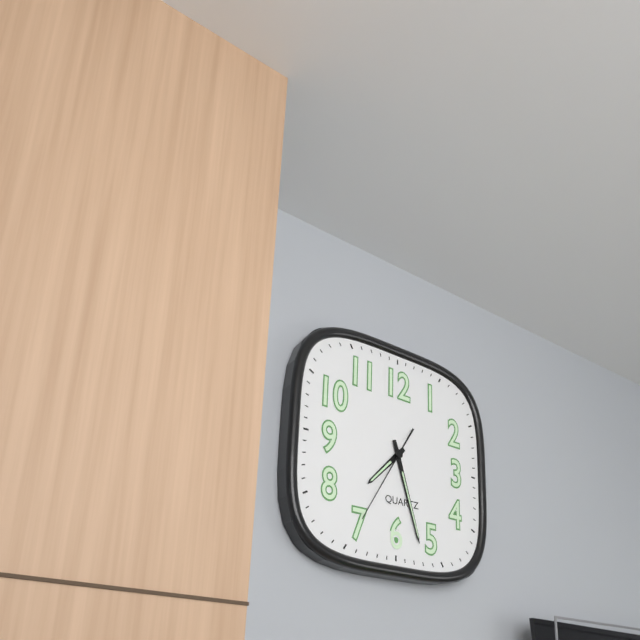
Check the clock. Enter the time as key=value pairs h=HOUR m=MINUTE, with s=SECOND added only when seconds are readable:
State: h=7 m=27 s=35
